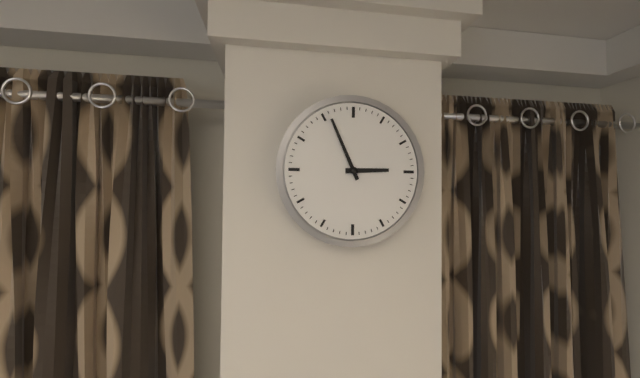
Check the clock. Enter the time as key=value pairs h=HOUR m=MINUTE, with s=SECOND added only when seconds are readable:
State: h=2 m=56
